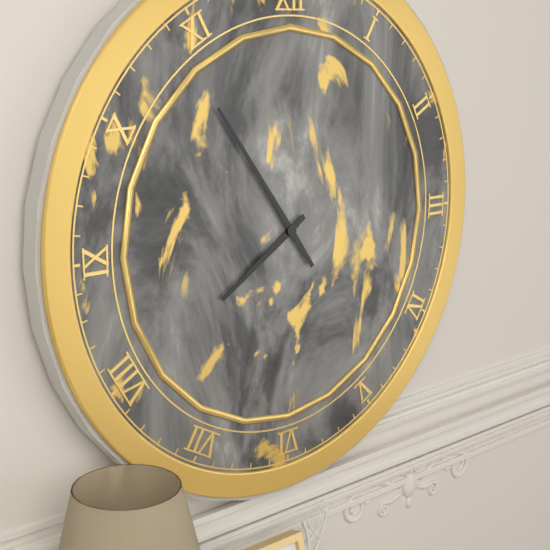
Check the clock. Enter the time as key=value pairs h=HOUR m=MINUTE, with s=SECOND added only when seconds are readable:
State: h=7 m=54
